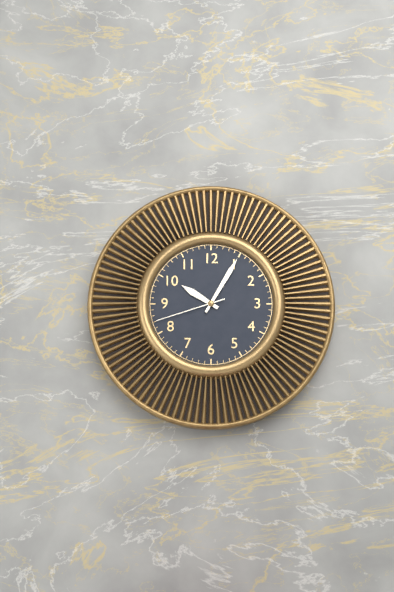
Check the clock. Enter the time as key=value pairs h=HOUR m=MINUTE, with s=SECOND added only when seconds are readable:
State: h=10 m=5 s=42
